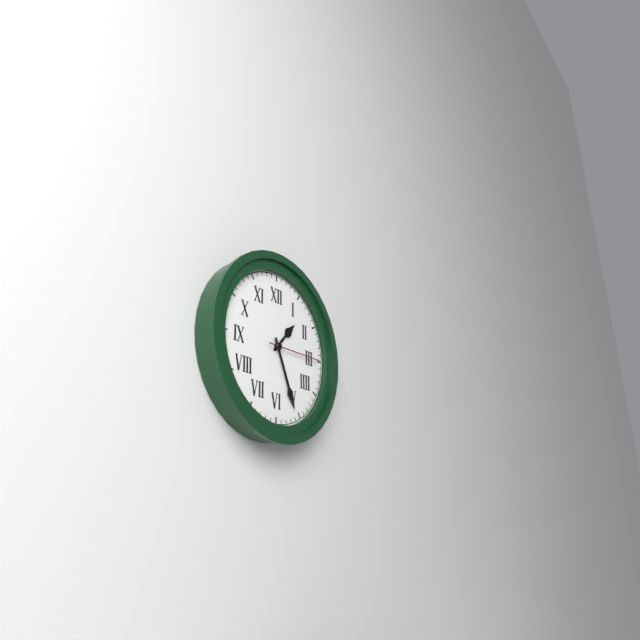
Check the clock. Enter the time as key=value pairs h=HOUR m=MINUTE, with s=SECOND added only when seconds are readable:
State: h=1 m=26 s=15
